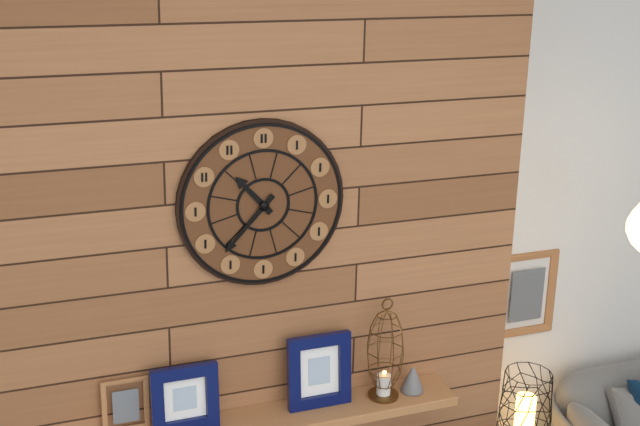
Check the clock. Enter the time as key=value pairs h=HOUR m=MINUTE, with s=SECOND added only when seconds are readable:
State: h=10 m=37
